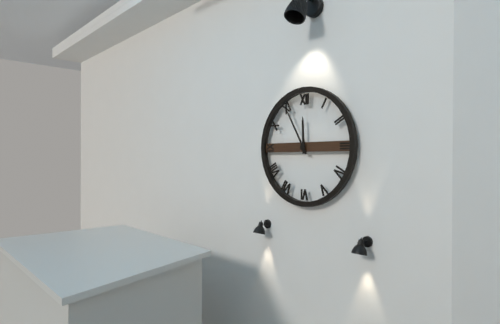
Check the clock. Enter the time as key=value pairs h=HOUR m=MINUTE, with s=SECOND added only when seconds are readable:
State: h=11 m=55
